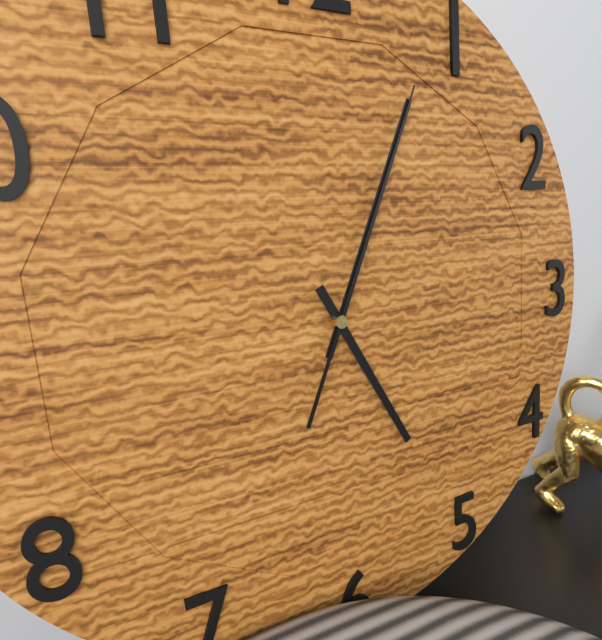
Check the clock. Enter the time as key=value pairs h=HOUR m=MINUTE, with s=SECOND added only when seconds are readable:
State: h=5 m=4 s=4
